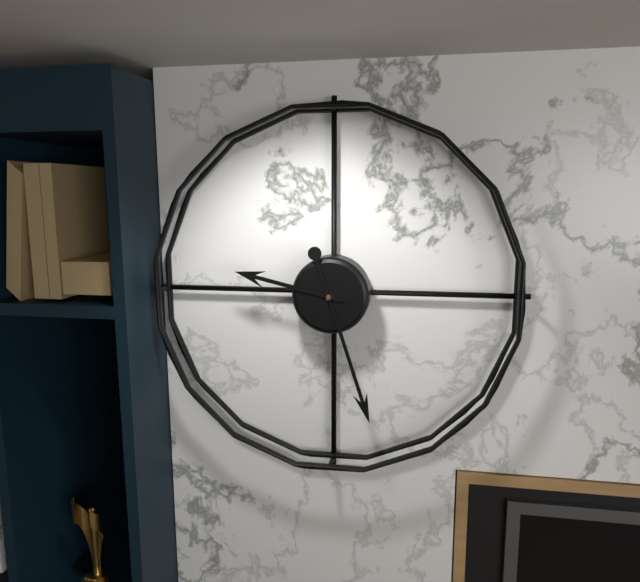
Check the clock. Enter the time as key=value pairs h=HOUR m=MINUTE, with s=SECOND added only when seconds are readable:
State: h=9 m=27
